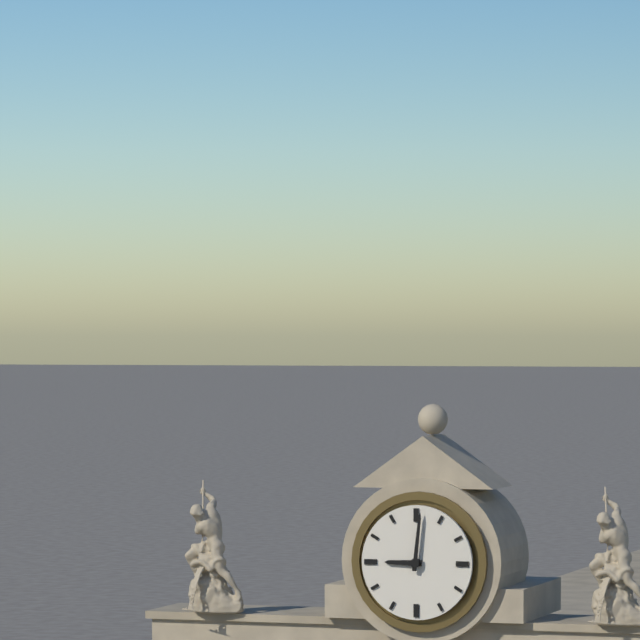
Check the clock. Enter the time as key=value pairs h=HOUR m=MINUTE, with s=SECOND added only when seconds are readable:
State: h=9 m=1
